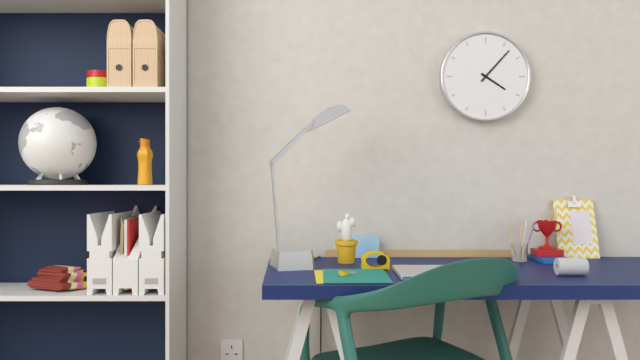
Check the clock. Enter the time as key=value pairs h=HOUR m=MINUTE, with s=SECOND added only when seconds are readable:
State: h=4 m=7
